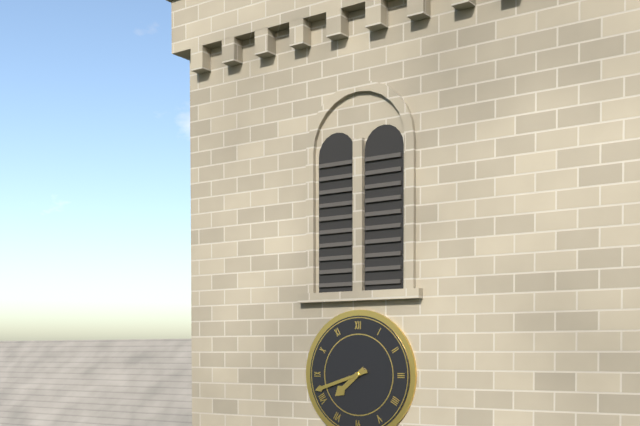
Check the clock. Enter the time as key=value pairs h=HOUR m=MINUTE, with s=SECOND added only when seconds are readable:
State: h=7 m=42
